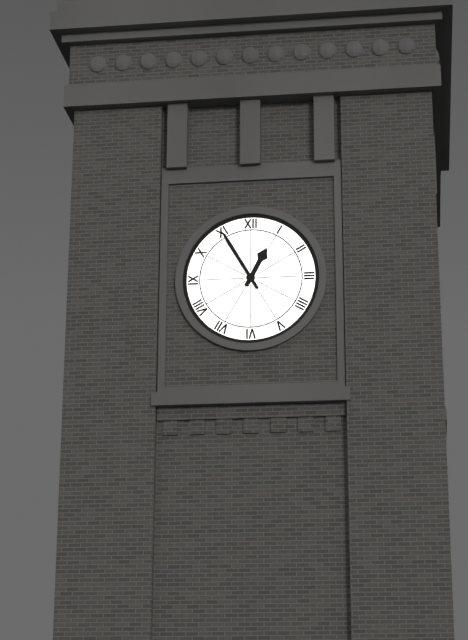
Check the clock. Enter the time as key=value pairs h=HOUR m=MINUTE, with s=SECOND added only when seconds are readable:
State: h=12 m=55
